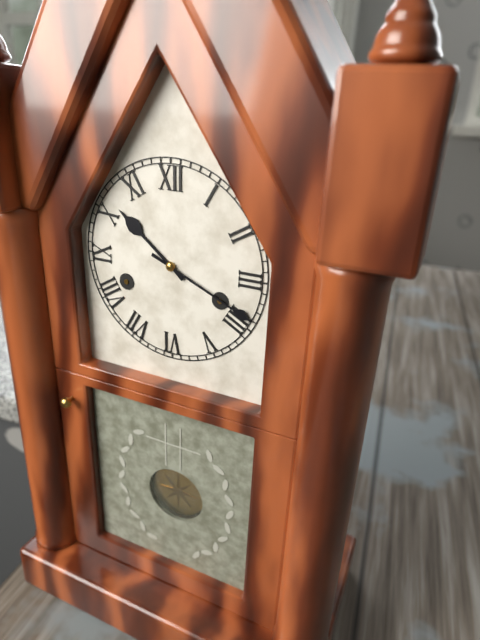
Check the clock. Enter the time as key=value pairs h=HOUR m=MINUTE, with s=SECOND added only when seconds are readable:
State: h=10 m=19
